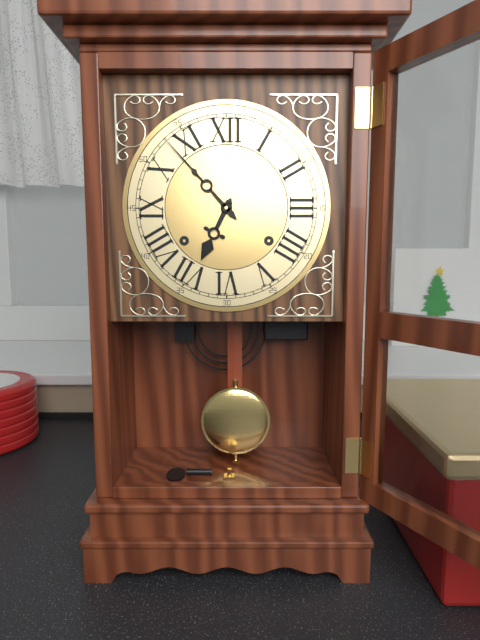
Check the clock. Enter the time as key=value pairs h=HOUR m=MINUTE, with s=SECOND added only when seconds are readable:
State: h=6 m=53
